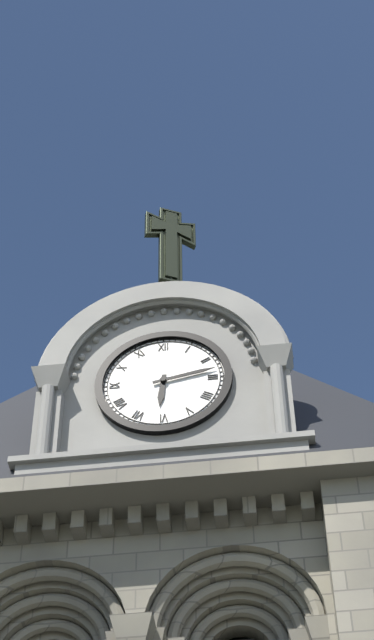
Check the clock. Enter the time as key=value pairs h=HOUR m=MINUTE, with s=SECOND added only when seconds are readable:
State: h=6 m=13
